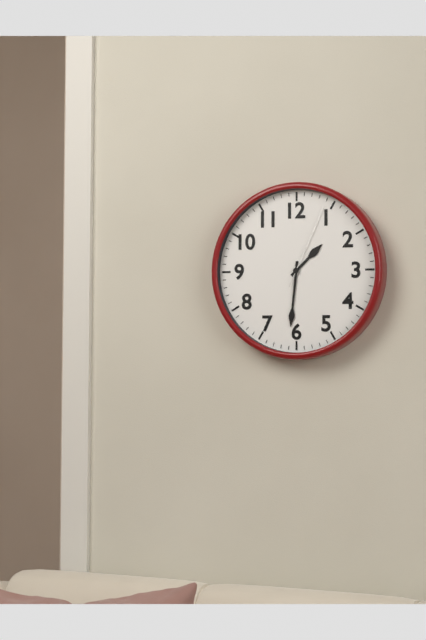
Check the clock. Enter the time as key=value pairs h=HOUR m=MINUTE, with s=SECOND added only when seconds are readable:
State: h=1 m=31 s=4
